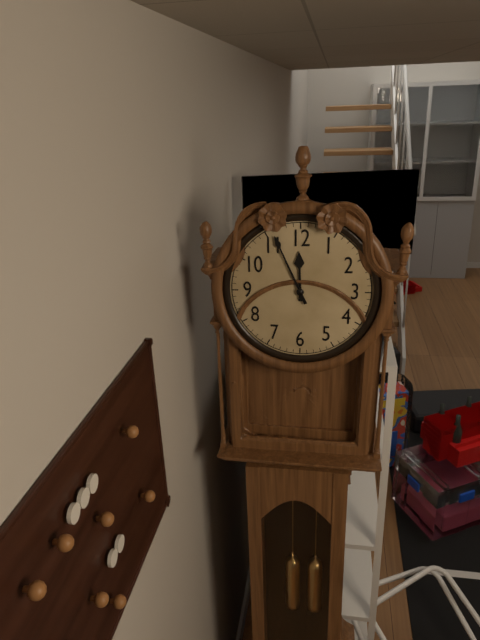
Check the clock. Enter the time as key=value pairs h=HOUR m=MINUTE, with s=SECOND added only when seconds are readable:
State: h=11 m=56
